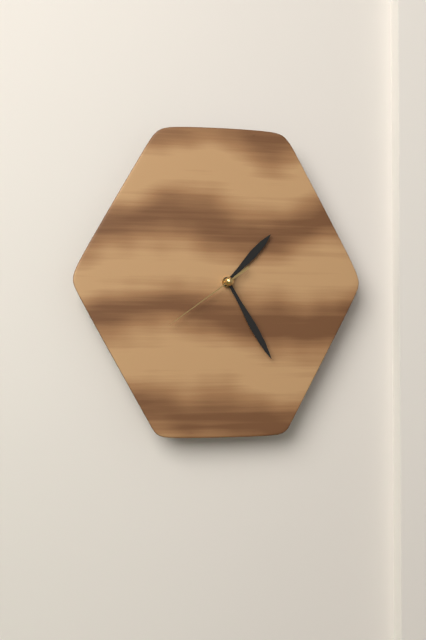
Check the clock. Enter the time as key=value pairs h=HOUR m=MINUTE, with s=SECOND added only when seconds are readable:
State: h=1 m=25 s=39
